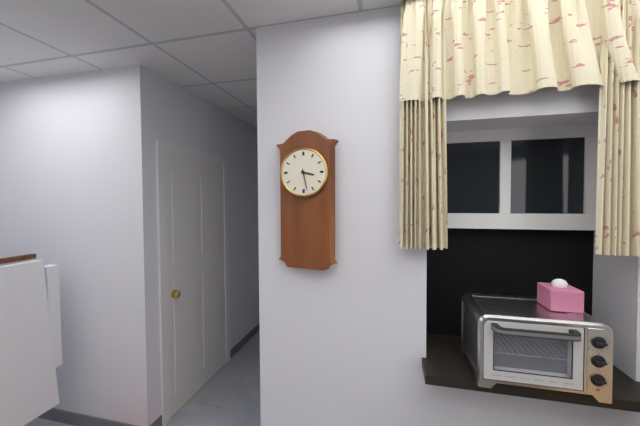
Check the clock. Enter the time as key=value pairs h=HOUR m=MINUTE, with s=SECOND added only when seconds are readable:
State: h=3 m=28
